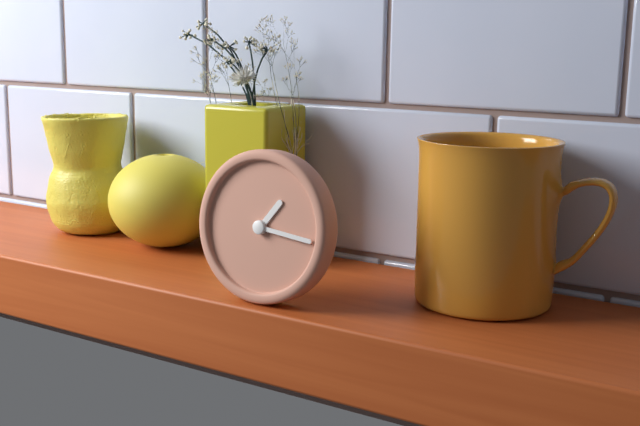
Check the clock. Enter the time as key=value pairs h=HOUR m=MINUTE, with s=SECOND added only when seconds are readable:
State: h=1 m=16
